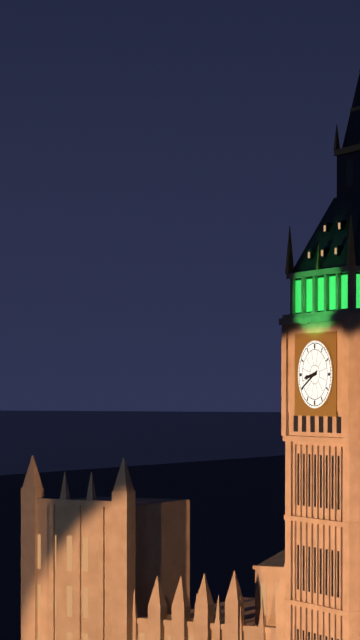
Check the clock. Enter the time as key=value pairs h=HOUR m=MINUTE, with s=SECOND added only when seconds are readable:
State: h=8 m=40
